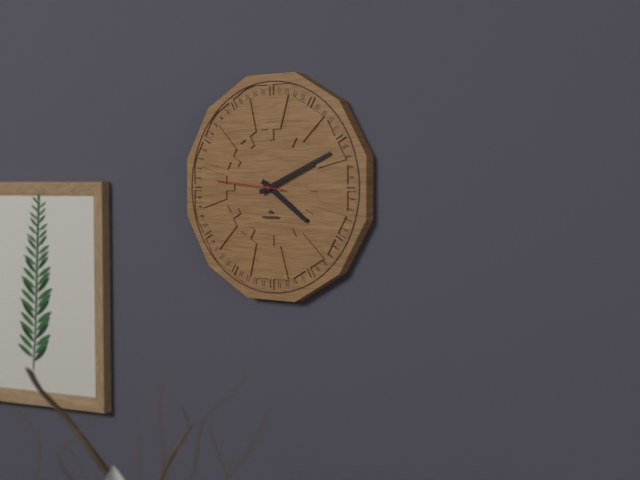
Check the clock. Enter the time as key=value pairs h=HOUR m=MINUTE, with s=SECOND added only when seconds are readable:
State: h=4 m=11 s=46
